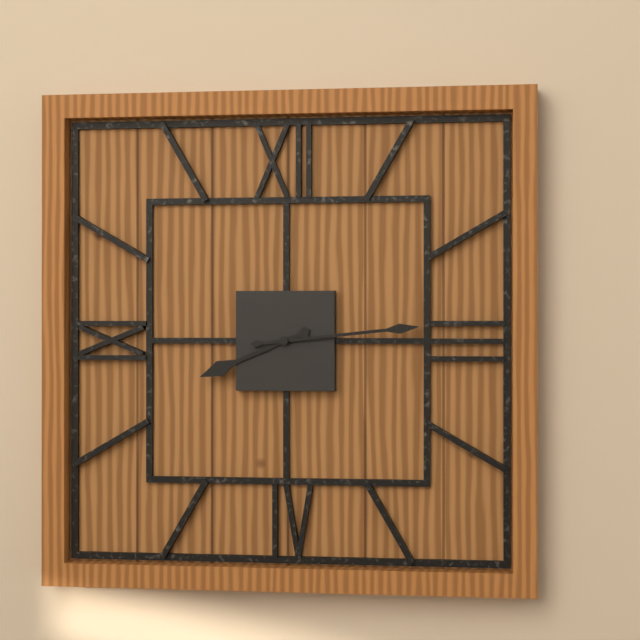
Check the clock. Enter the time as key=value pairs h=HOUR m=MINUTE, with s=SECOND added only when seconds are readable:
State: h=8 m=14
